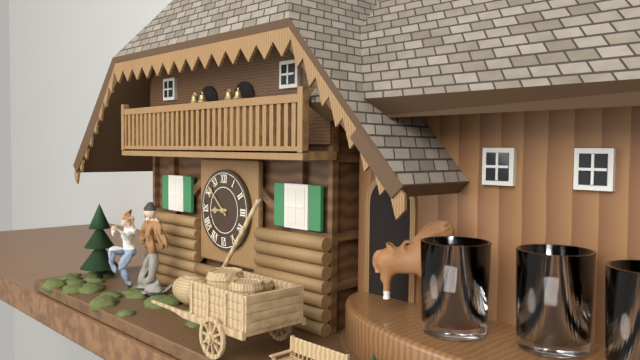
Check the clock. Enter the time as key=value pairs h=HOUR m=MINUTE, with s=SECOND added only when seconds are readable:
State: h=8 m=52
